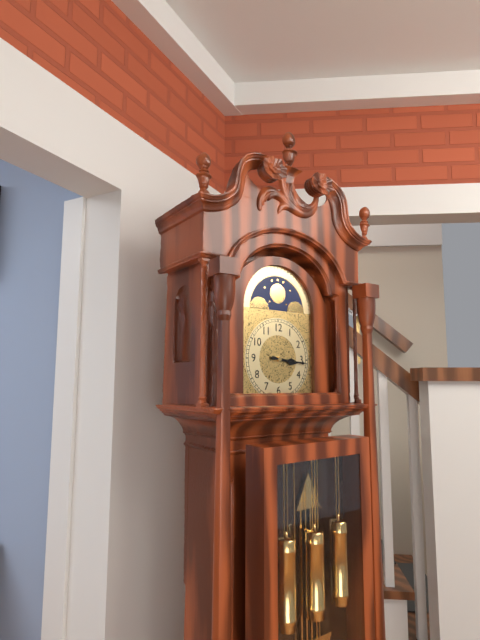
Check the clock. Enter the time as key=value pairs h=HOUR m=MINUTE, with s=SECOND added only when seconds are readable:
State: h=3 m=16
